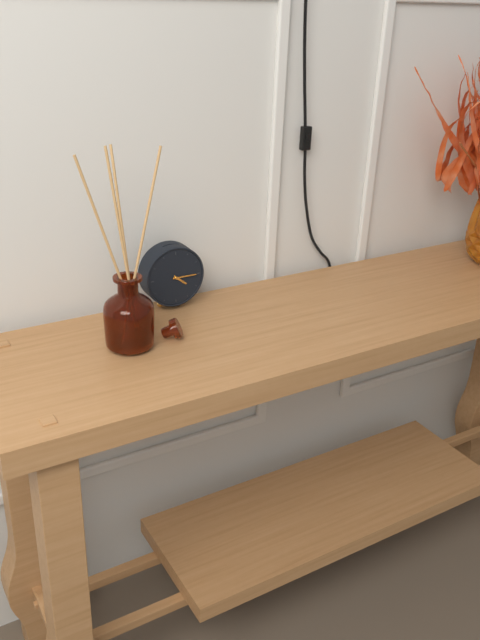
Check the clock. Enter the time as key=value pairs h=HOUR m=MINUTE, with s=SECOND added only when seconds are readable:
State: h=4 m=15
